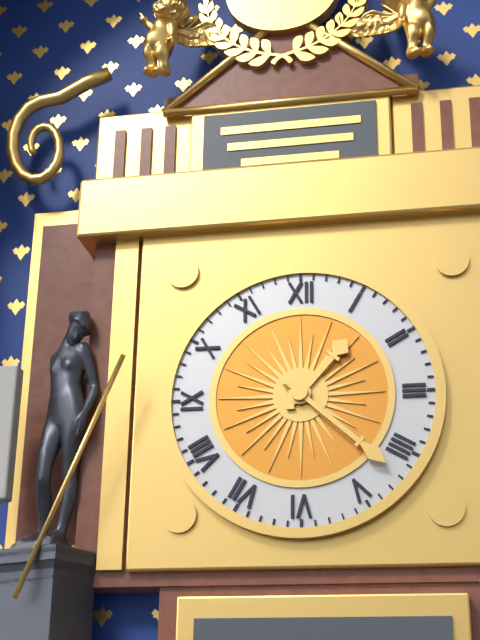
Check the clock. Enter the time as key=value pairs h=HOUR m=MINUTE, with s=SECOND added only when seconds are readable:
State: h=1 m=22
